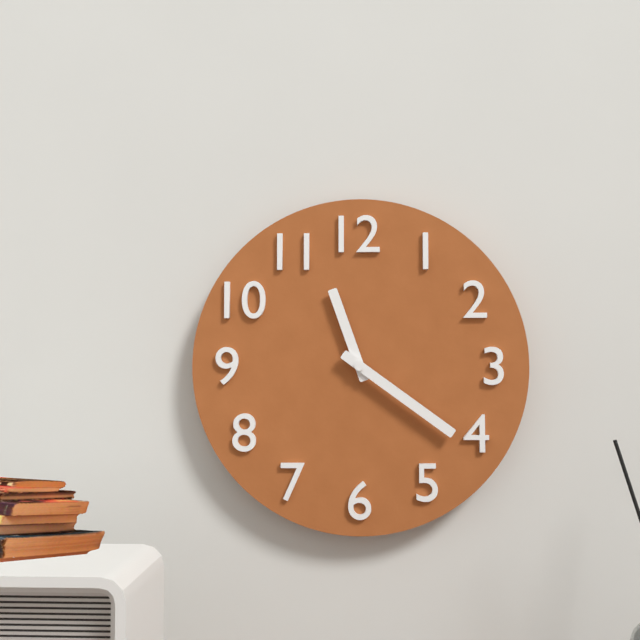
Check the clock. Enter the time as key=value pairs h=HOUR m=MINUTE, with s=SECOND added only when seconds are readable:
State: h=11 m=21
